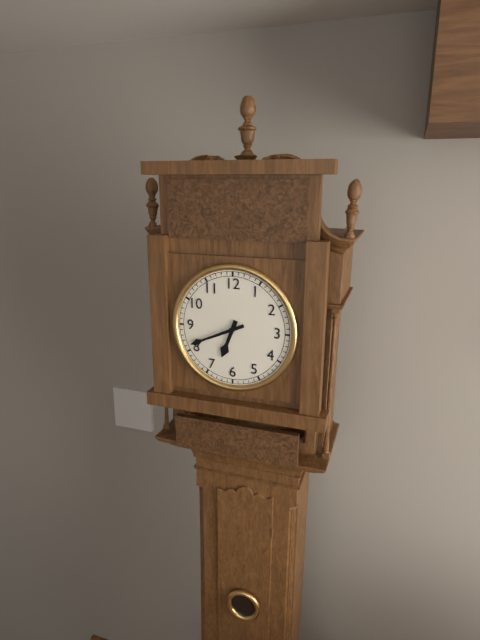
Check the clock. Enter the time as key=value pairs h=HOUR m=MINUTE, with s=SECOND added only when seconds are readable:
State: h=6 m=41
